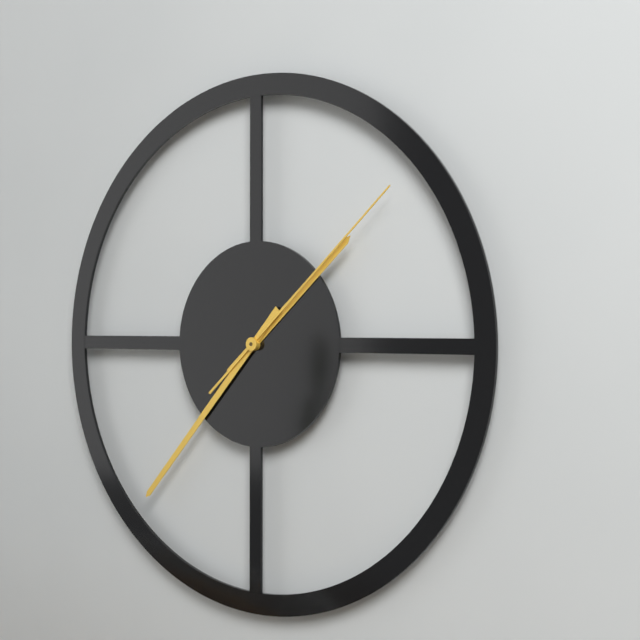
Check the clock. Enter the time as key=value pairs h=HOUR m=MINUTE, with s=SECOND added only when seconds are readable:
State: h=1 m=37 s=8
